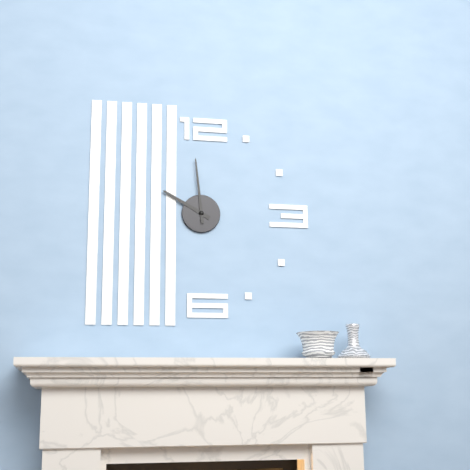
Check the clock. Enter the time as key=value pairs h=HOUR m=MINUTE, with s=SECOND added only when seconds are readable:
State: h=9 m=59
